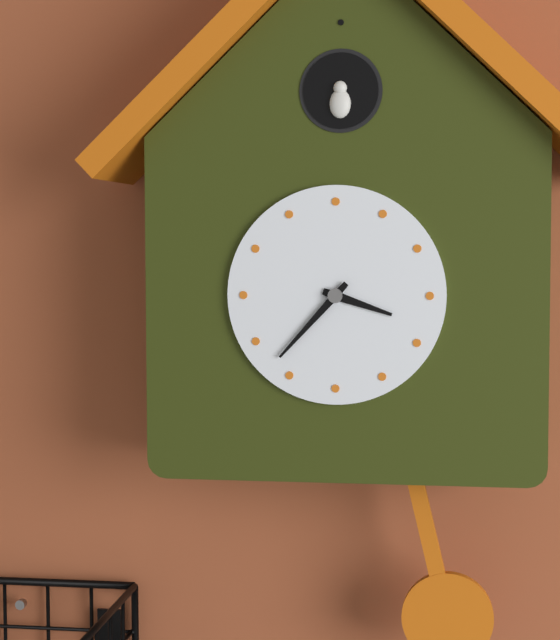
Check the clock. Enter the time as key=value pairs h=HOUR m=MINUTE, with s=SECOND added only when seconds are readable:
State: h=3 m=37
